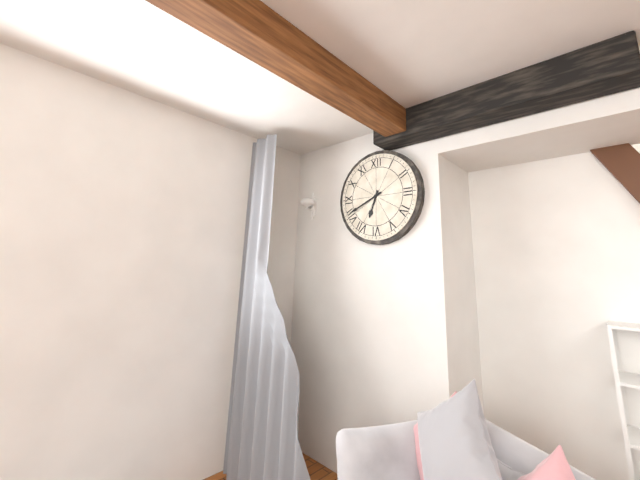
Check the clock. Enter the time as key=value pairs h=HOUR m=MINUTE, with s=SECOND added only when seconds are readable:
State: h=6 m=41
